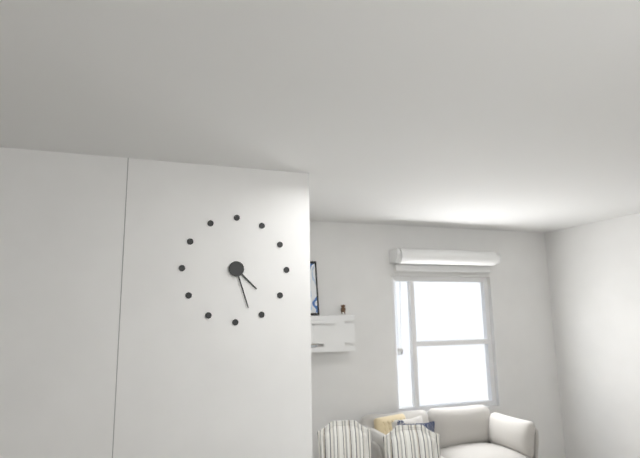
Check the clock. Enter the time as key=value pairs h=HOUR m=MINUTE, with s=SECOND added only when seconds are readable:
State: h=4 m=27
